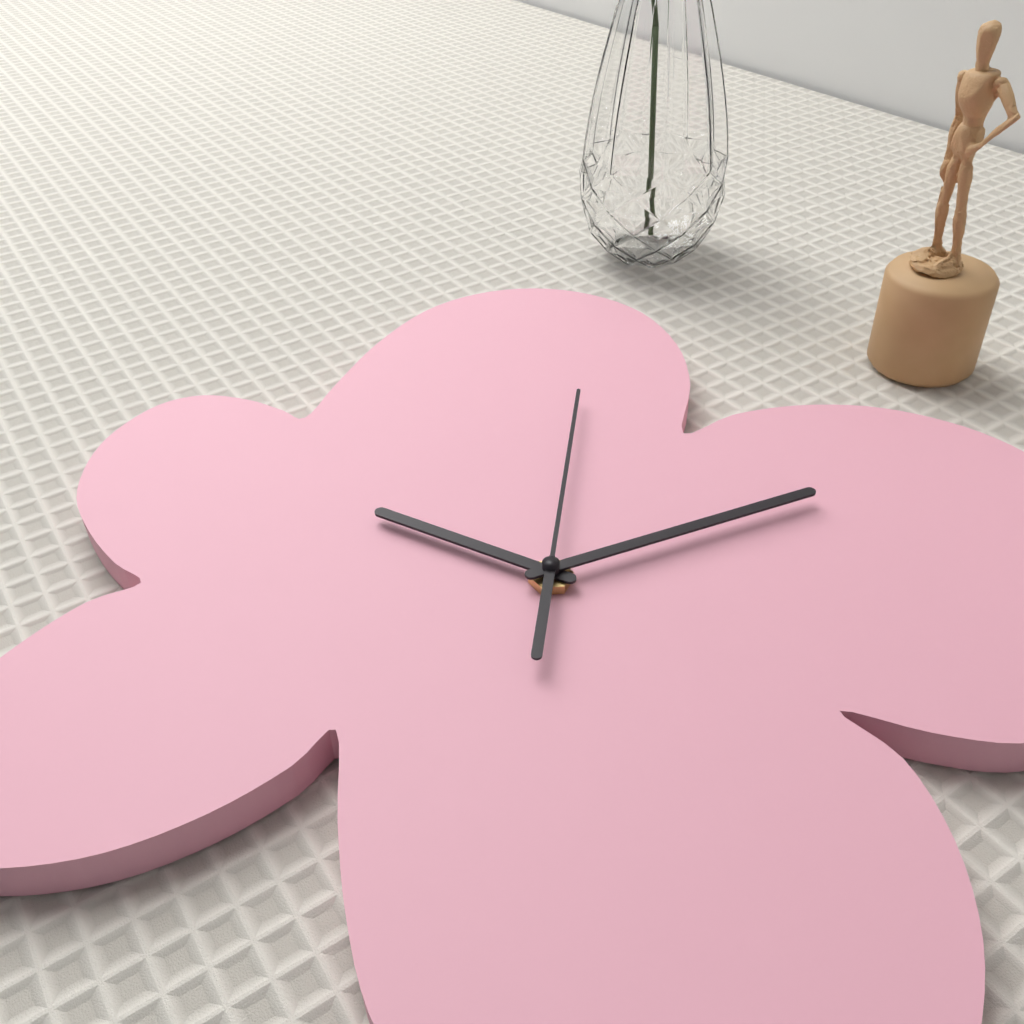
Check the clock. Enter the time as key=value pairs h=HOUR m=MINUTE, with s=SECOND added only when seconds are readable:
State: h=9 m=7 s=57
